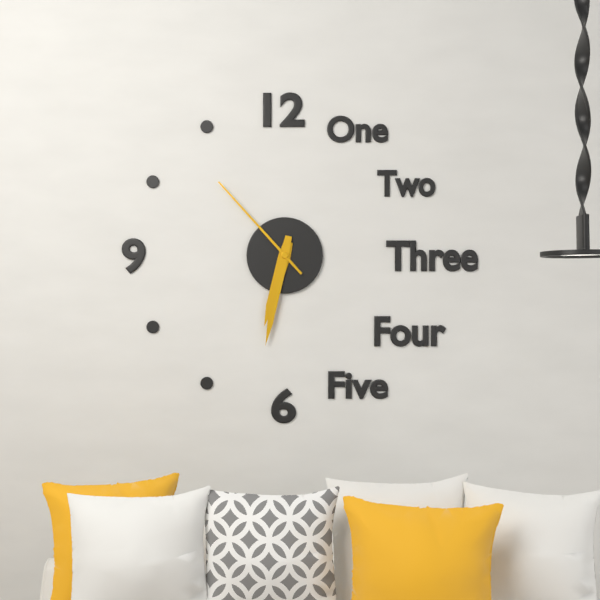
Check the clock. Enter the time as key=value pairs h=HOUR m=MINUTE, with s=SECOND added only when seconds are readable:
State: h=6 m=32 s=53
